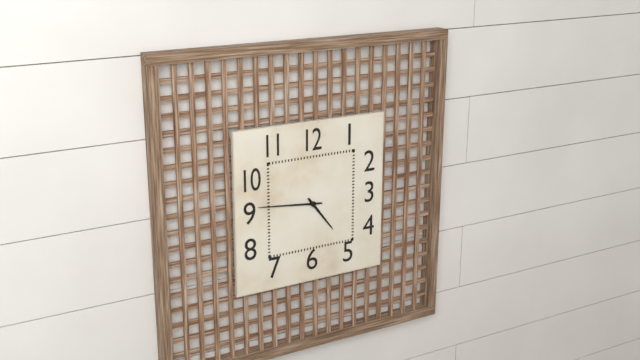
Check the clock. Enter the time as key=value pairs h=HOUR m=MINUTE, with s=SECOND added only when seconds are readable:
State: h=4 m=46
